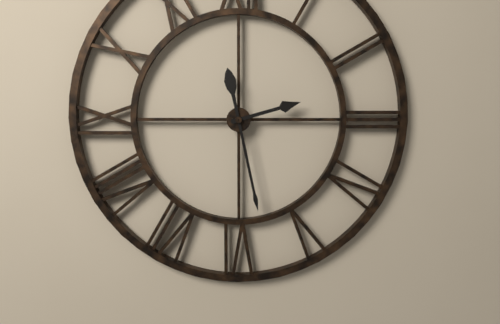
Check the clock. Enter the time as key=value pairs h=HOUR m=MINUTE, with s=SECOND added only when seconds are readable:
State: h=2 m=28
